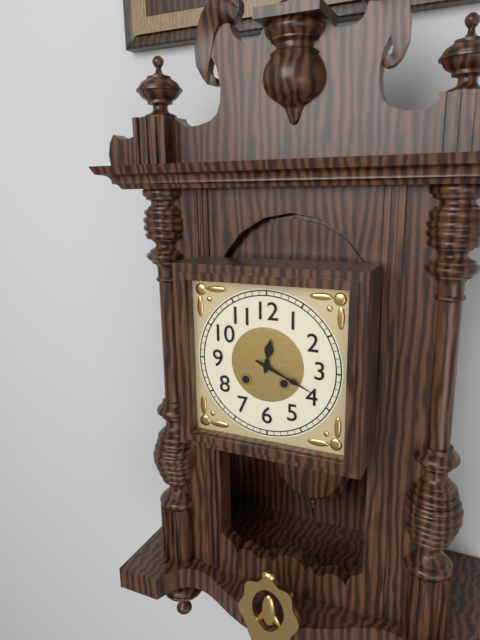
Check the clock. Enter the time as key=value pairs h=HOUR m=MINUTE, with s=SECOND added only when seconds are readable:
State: h=12 m=19
